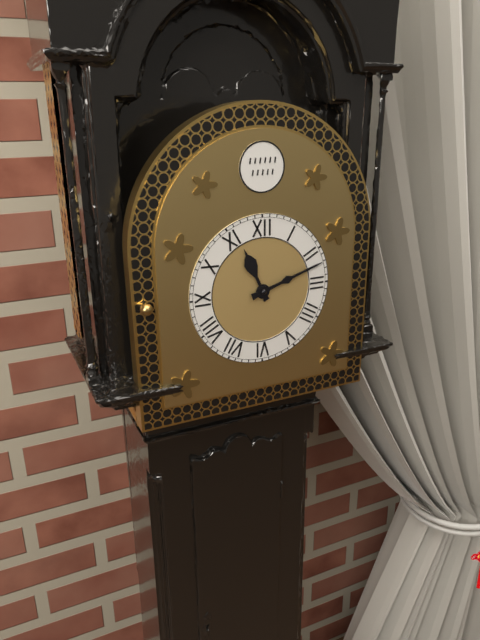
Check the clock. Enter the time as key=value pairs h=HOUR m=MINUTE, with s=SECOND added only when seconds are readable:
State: h=11 m=12
